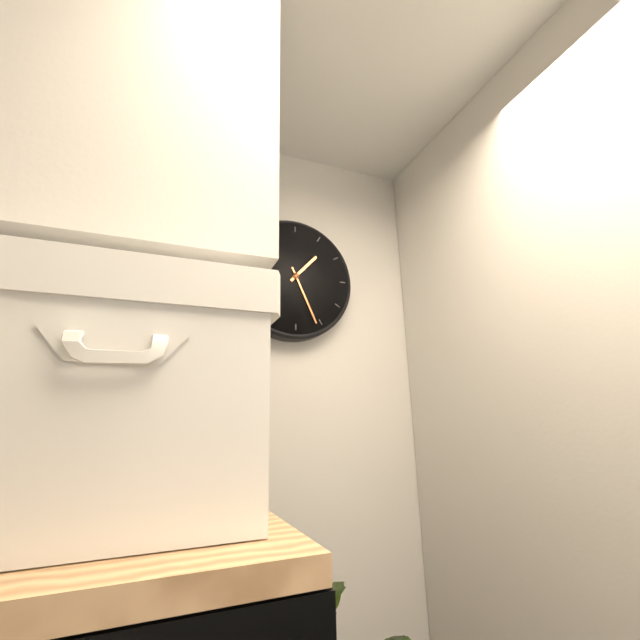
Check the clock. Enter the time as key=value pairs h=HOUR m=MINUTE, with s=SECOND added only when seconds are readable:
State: h=1 m=26
